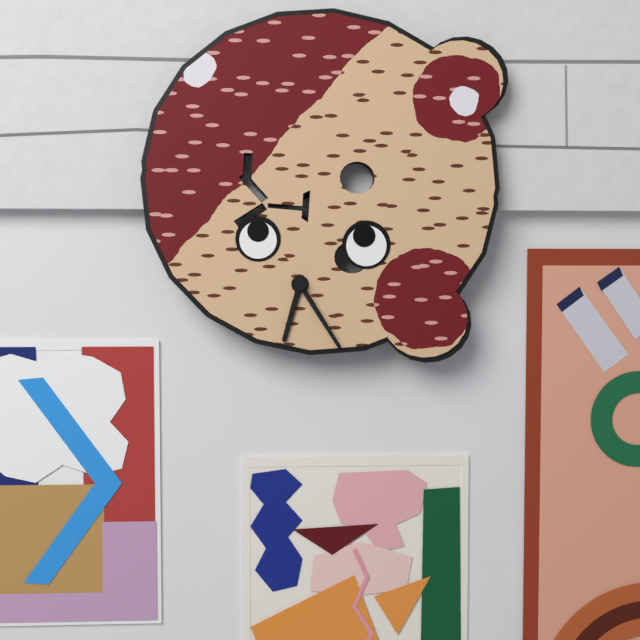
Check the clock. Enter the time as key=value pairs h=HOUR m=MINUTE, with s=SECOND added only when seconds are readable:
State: h=6 m=24
